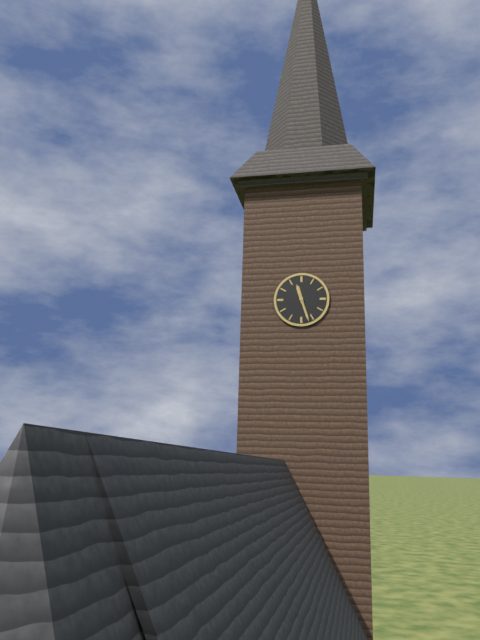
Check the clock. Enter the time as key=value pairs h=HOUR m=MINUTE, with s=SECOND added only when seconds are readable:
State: h=11 m=27
